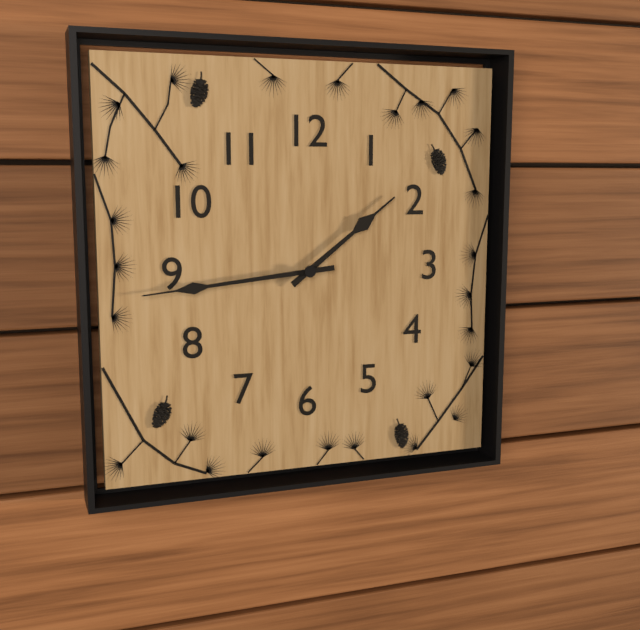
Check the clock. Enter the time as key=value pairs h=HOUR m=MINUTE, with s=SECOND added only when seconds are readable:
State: h=1 m=44
